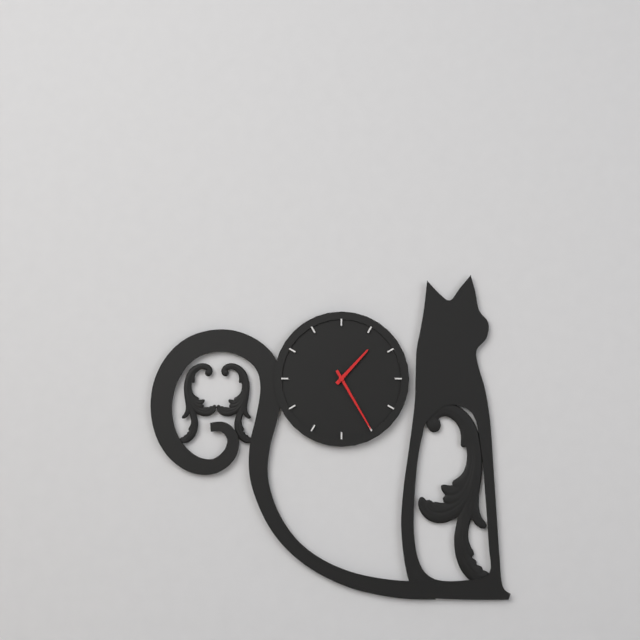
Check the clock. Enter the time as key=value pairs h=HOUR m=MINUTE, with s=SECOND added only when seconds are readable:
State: h=1 m=25
